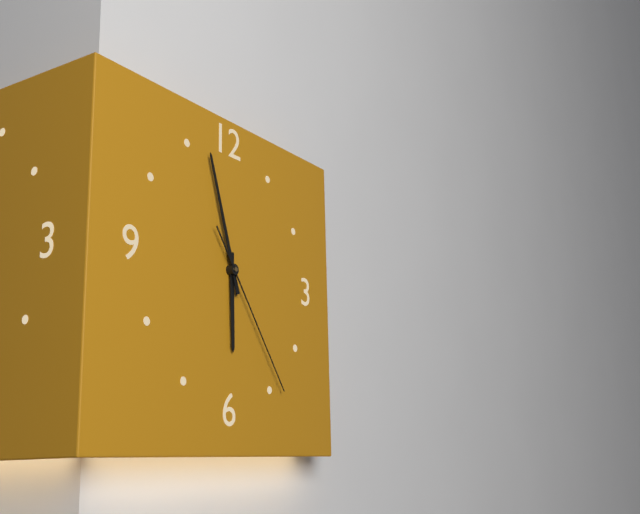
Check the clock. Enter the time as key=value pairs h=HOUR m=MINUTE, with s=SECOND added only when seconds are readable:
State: h=5 m=57 s=24
